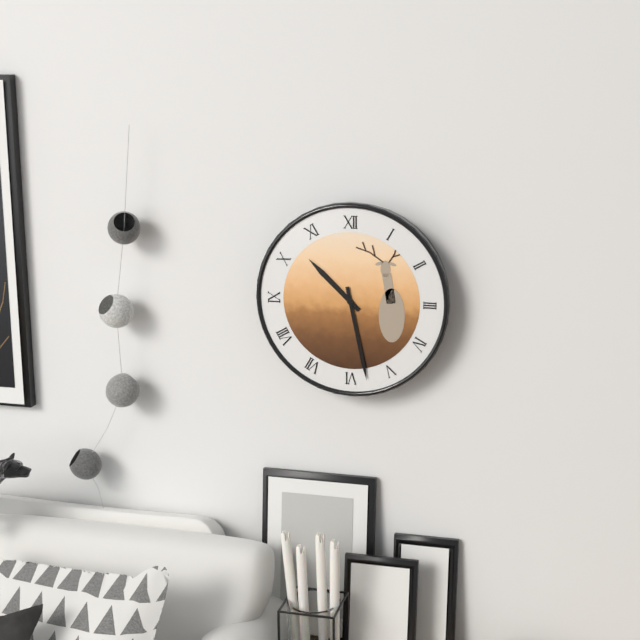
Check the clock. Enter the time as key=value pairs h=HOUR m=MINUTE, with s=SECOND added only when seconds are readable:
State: h=10 m=28
